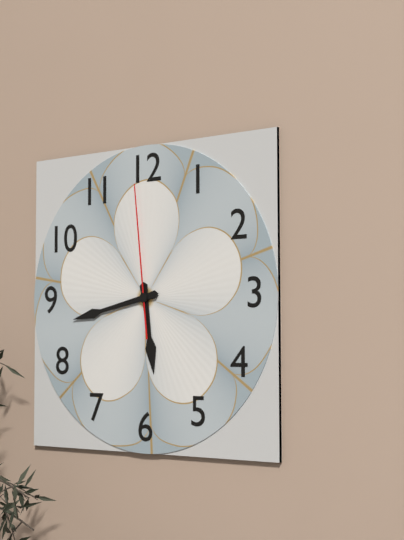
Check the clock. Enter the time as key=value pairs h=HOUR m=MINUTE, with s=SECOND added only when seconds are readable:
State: h=5 m=43 s=59
